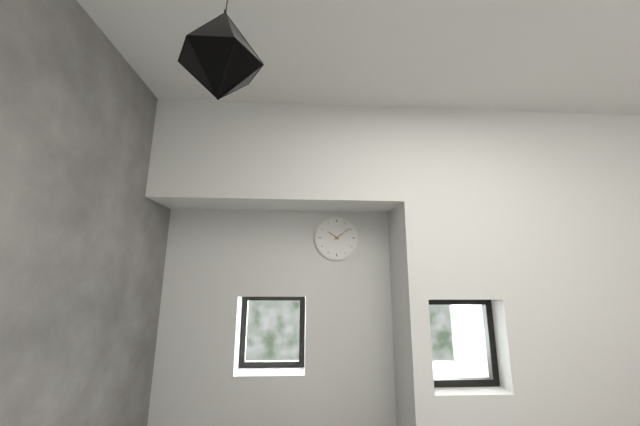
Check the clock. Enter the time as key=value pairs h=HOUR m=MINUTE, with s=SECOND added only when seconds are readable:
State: h=10 m=9
